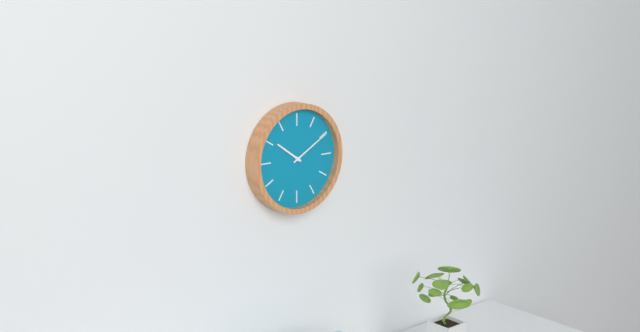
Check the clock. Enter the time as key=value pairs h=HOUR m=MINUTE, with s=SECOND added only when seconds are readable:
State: h=10 m=10
